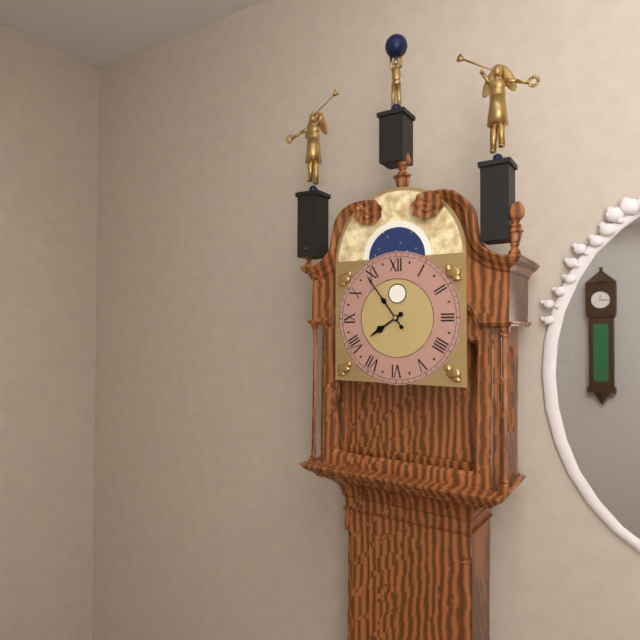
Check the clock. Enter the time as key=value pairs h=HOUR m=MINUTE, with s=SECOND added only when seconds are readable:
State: h=7 m=54
